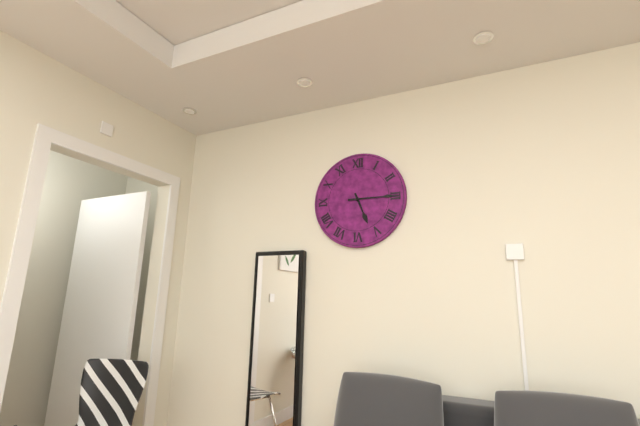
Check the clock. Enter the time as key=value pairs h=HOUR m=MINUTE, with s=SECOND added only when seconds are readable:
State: h=5 m=15
